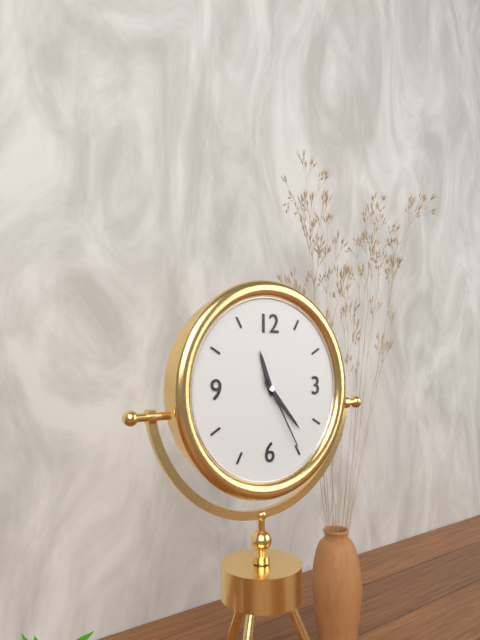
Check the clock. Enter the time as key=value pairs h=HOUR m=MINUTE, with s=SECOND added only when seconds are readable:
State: h=11 m=23 s=25
